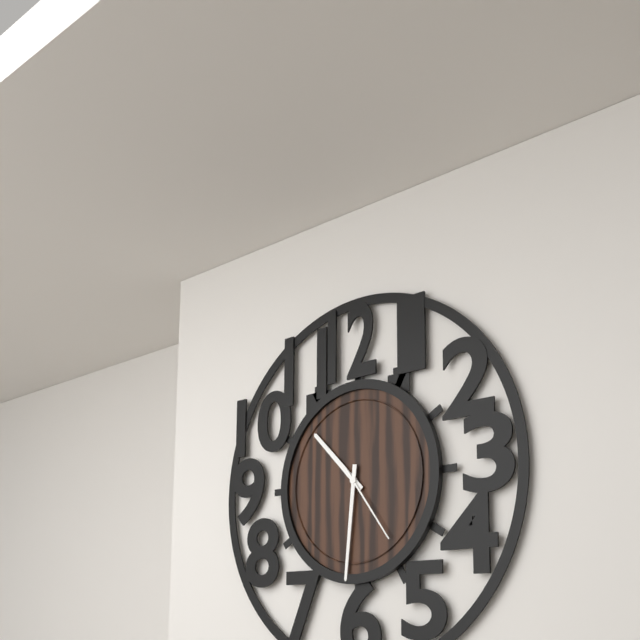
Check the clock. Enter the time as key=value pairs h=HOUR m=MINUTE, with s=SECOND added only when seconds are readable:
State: h=10 m=31 s=24
